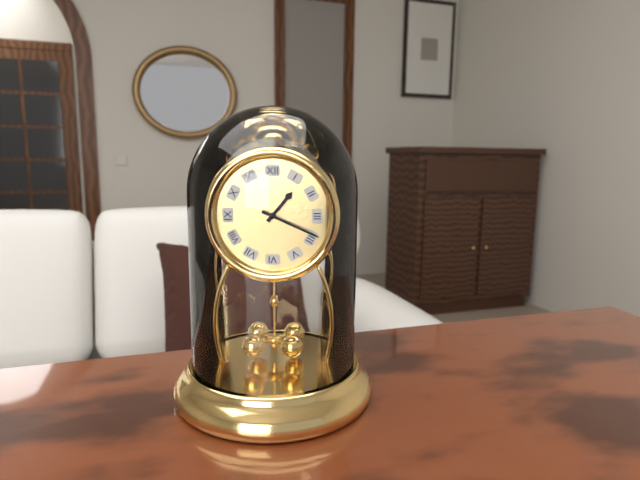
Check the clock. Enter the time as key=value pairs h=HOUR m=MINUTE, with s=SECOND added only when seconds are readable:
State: h=1 m=19
